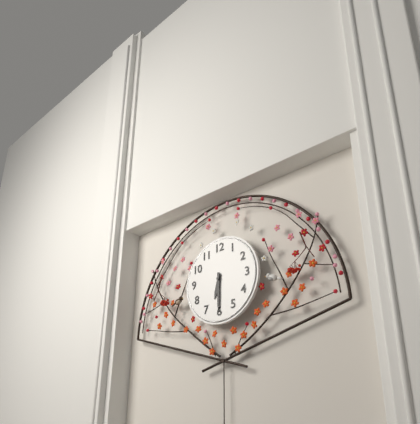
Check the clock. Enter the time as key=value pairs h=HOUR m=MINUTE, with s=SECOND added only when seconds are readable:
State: h=6 m=30
